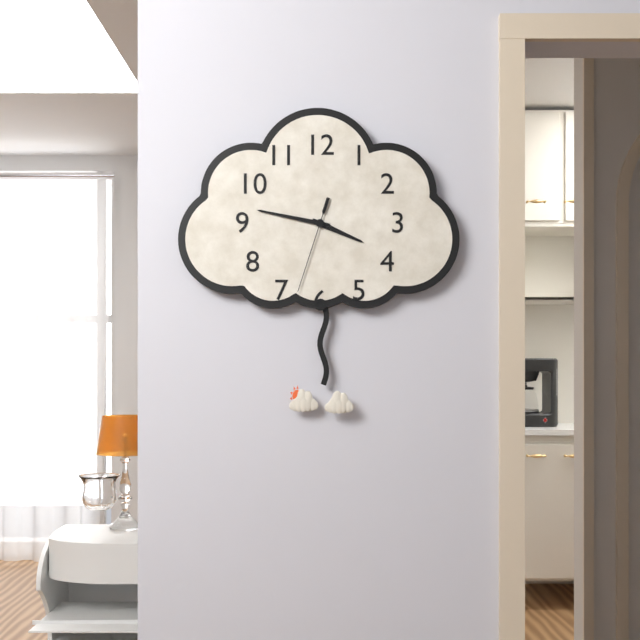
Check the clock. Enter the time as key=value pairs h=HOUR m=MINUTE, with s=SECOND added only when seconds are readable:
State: h=3 m=47 s=33
